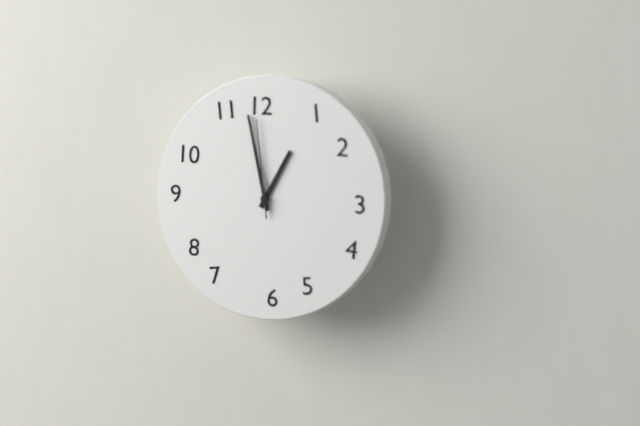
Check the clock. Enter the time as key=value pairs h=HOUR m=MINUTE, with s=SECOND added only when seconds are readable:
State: h=12 m=58 s=59
